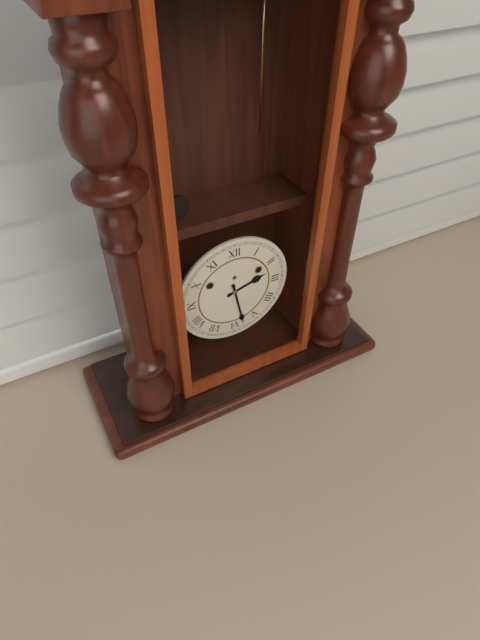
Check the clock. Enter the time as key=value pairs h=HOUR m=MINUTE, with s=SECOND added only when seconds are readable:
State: h=2 m=28
